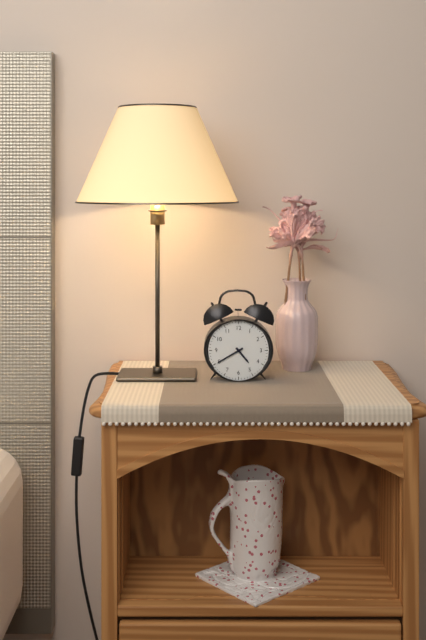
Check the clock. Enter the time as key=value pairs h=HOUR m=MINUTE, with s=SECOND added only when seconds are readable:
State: h=4 m=40
